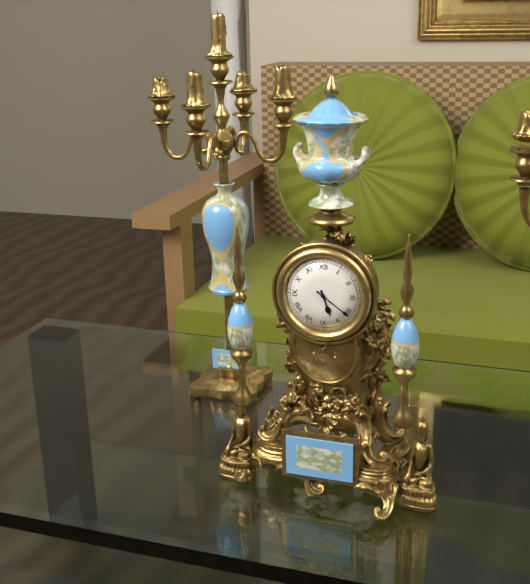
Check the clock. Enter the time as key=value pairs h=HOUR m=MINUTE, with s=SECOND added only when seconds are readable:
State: h=5 m=21
